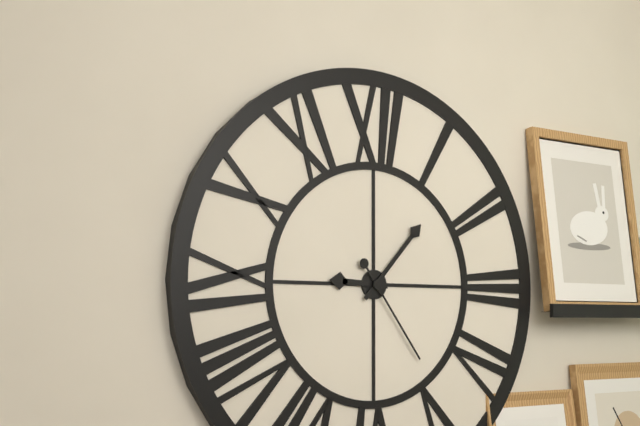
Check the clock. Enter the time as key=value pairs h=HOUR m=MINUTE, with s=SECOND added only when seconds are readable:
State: h=9 m=7 s=24
